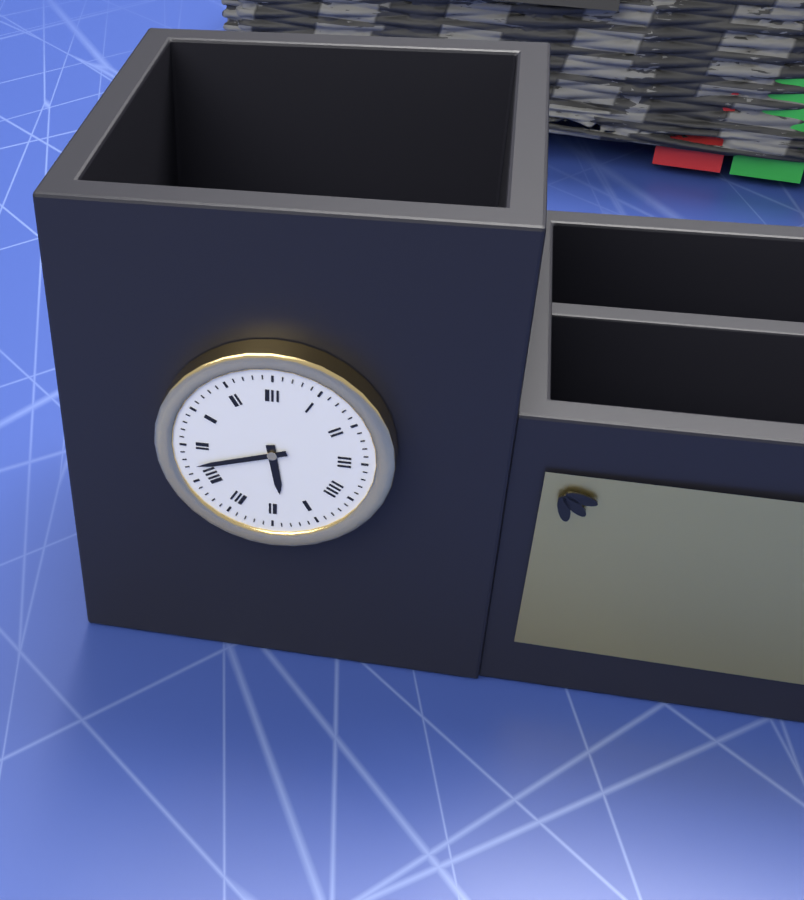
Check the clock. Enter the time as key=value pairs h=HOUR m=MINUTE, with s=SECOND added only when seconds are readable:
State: h=5 m=42
